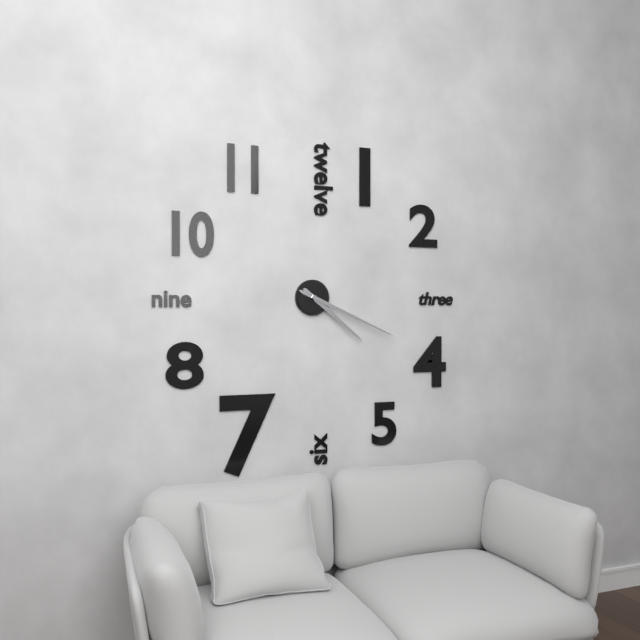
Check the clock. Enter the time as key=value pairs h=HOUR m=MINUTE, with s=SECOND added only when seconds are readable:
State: h=4 m=19
